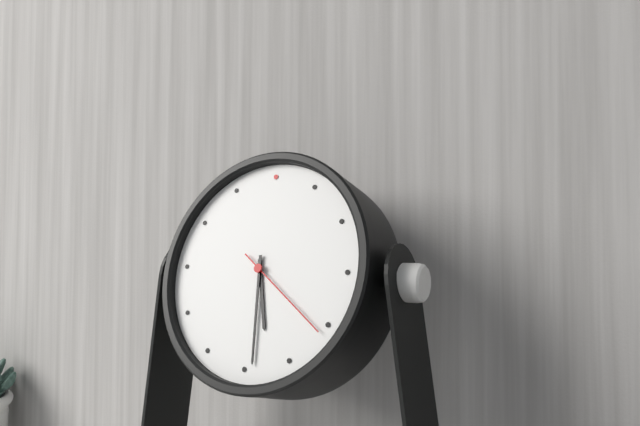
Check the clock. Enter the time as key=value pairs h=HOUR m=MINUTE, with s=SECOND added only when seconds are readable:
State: h=5 m=29 s=21
